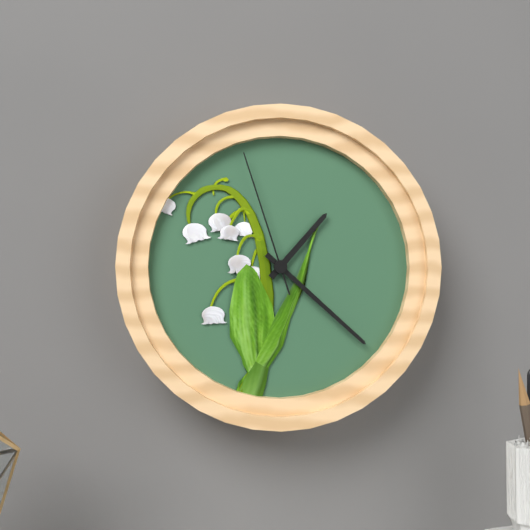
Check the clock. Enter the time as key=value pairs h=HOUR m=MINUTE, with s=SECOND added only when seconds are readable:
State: h=1 m=22 s=57
